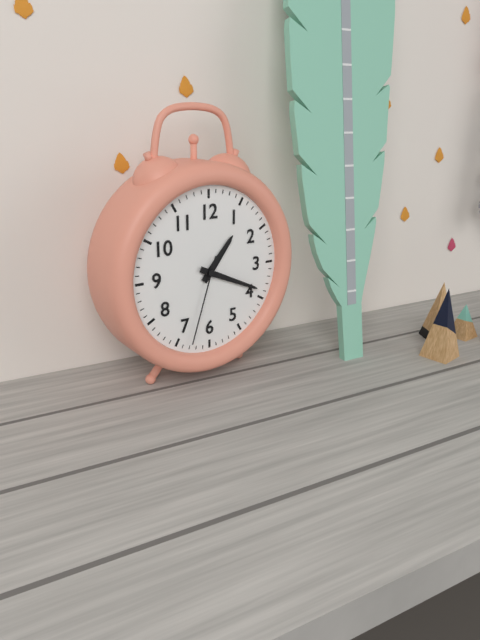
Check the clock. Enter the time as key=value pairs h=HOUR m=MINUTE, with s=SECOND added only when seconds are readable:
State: h=1 m=19 s=33
